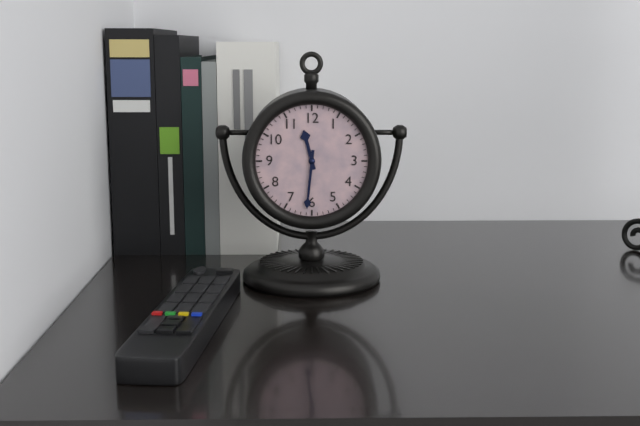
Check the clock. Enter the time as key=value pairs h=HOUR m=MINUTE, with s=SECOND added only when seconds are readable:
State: h=11 m=31
